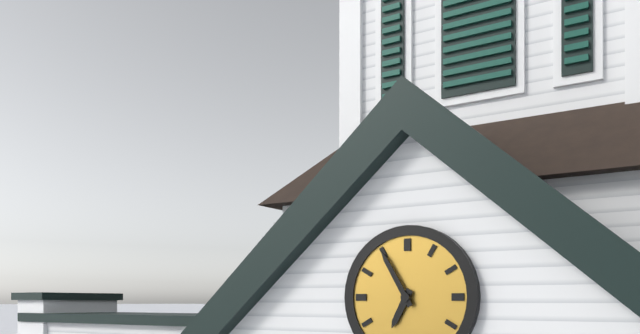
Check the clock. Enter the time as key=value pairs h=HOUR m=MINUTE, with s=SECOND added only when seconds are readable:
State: h=6 m=55
